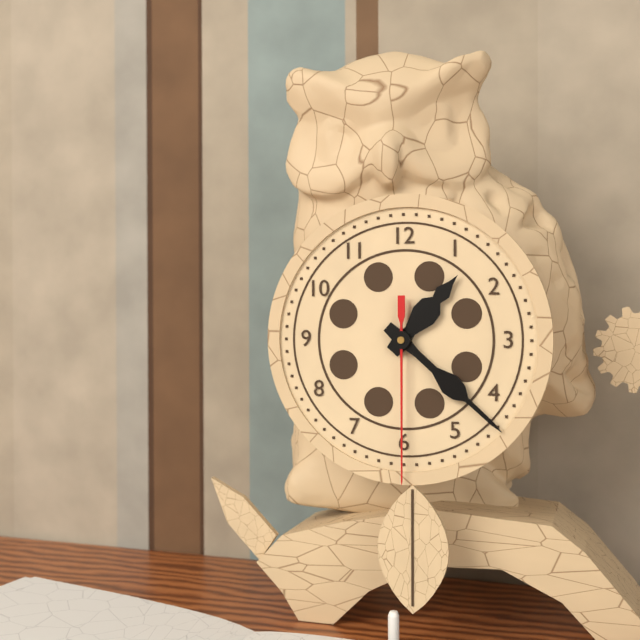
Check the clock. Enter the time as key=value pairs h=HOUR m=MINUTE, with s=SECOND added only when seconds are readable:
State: h=1 m=22 s=30
